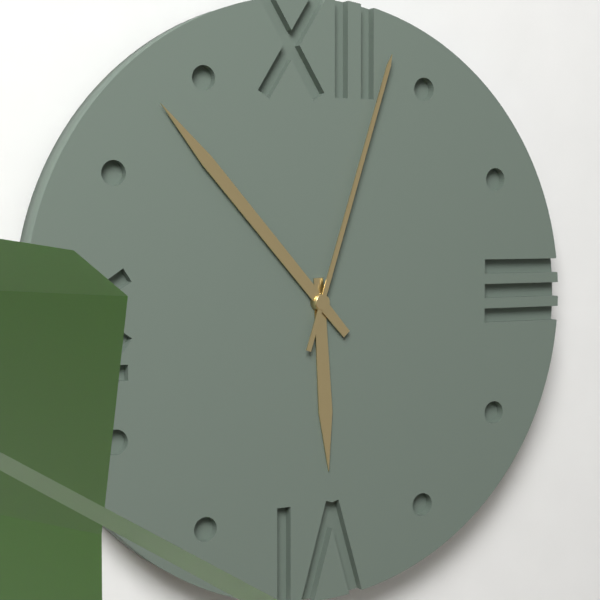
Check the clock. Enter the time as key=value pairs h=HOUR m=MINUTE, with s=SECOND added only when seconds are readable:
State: h=5 m=53 s=3
